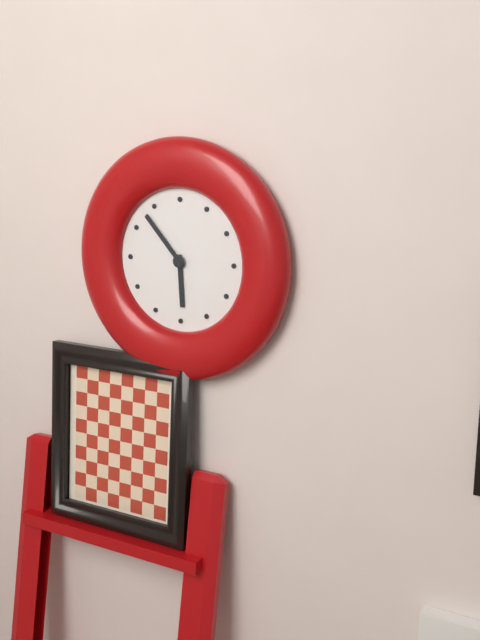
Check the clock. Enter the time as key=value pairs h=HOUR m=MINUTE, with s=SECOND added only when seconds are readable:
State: h=5 m=53
